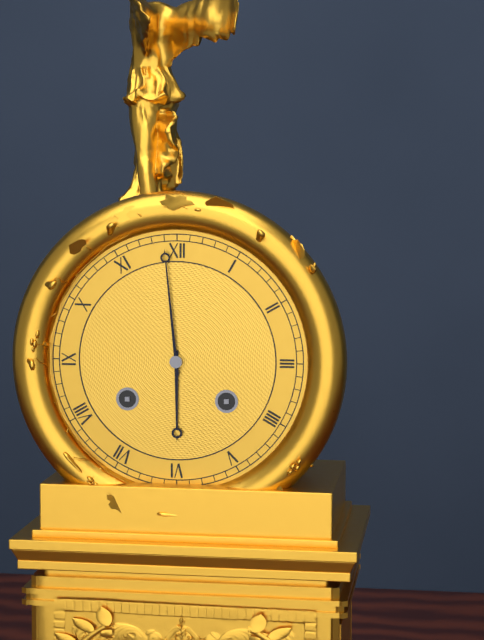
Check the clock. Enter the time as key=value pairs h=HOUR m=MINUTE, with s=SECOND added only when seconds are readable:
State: h=5 m=59
